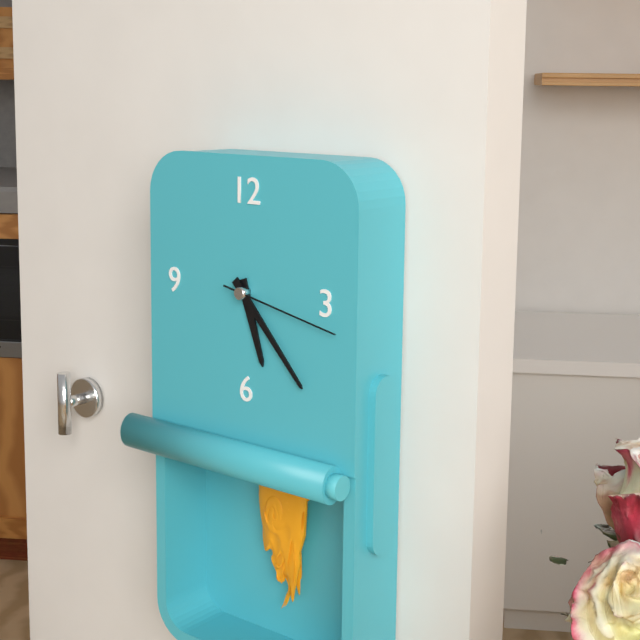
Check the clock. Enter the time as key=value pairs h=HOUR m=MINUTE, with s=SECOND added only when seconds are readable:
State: h=5 m=23 s=17
